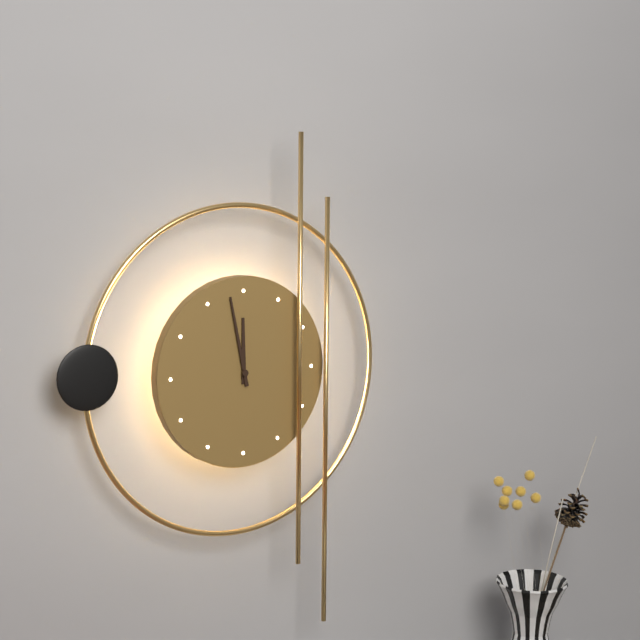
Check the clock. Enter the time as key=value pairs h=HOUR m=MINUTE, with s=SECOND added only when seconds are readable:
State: h=11 m=58
